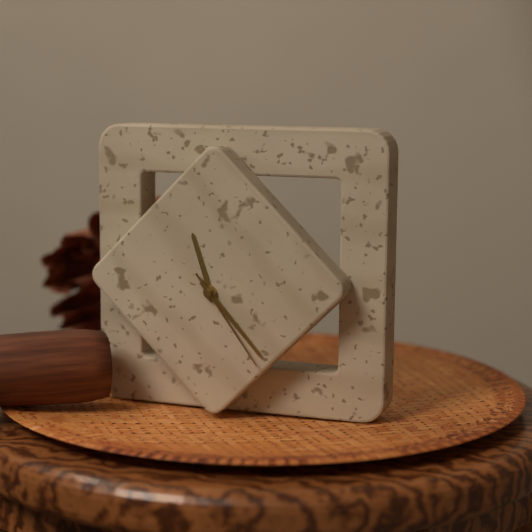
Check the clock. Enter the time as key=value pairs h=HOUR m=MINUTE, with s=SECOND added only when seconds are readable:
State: h=11 m=23 s=24
